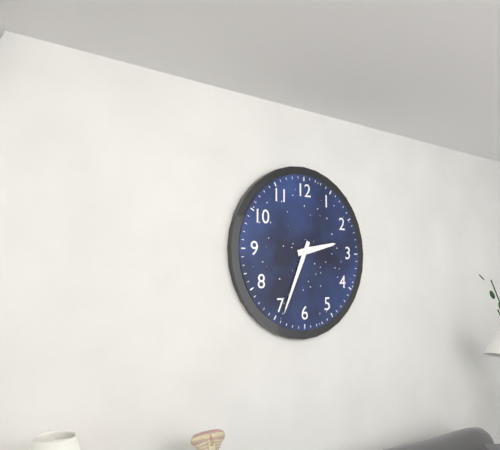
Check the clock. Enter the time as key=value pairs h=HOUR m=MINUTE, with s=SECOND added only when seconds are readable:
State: h=2 m=34
